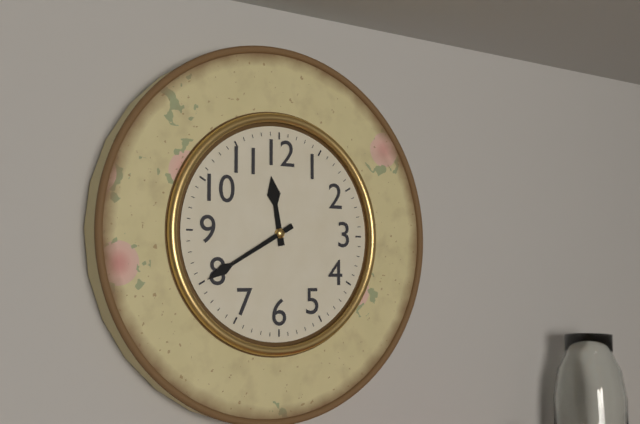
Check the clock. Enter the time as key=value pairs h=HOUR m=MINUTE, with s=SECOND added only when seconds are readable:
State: h=11 m=40
